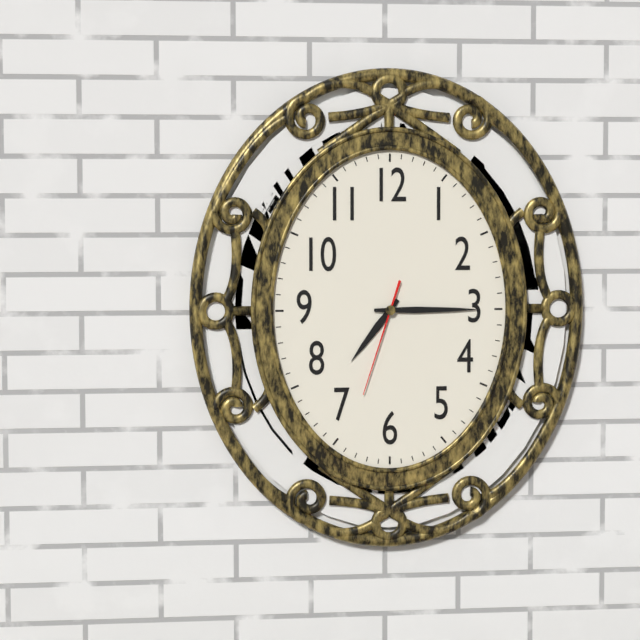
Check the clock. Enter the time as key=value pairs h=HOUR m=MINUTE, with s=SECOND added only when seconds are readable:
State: h=7 m=15 s=33
